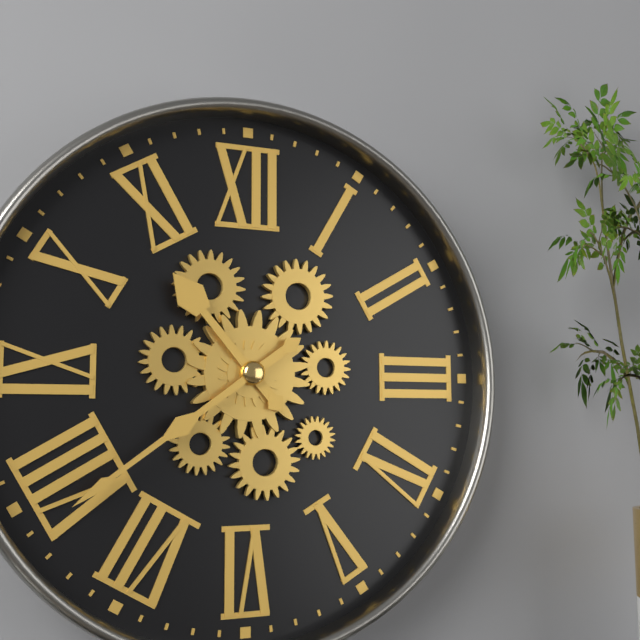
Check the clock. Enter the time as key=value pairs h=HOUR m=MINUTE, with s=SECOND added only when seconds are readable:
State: h=10 m=39
